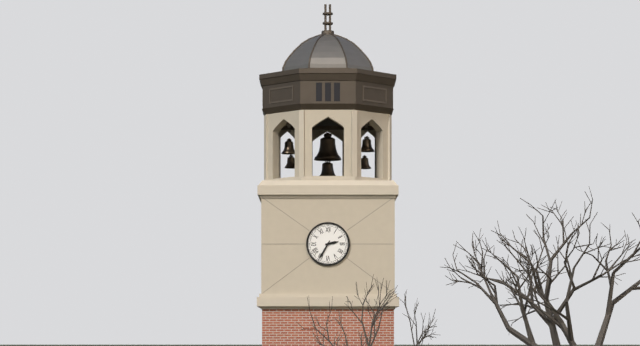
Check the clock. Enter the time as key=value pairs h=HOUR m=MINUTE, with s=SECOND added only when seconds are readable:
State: h=2 m=35
